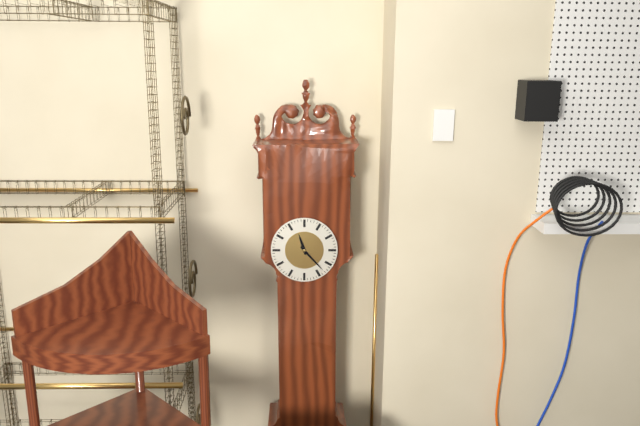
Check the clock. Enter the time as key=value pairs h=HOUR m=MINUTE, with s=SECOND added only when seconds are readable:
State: h=11 m=23
